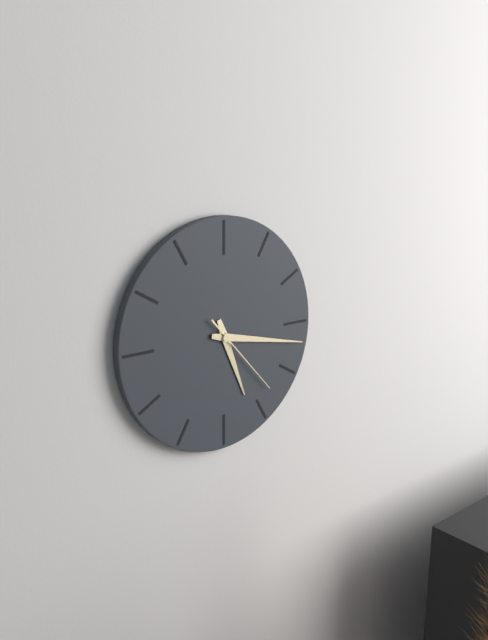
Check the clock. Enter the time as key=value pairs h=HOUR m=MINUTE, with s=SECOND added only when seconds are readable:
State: h=5 m=17 s=23
